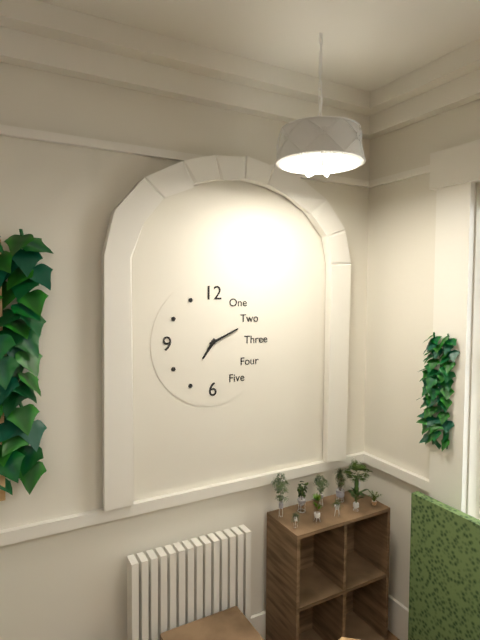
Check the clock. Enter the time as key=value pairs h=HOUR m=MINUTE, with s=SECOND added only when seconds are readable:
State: h=7 m=11
